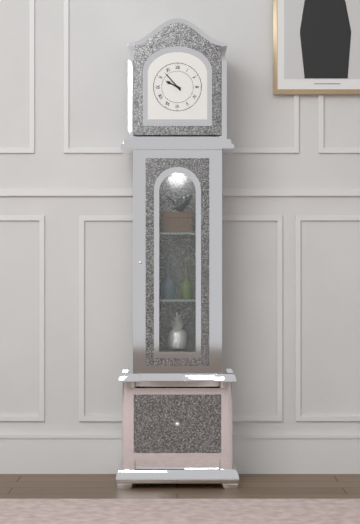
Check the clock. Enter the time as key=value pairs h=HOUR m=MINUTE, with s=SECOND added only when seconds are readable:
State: h=9 m=53
